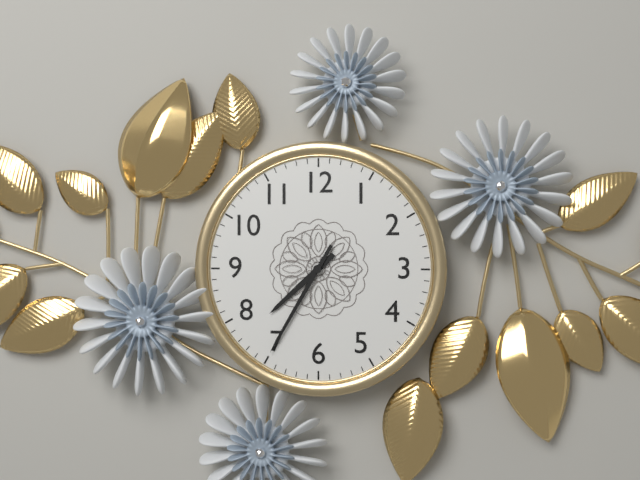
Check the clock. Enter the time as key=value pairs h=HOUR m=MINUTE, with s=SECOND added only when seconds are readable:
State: h=7 m=35
